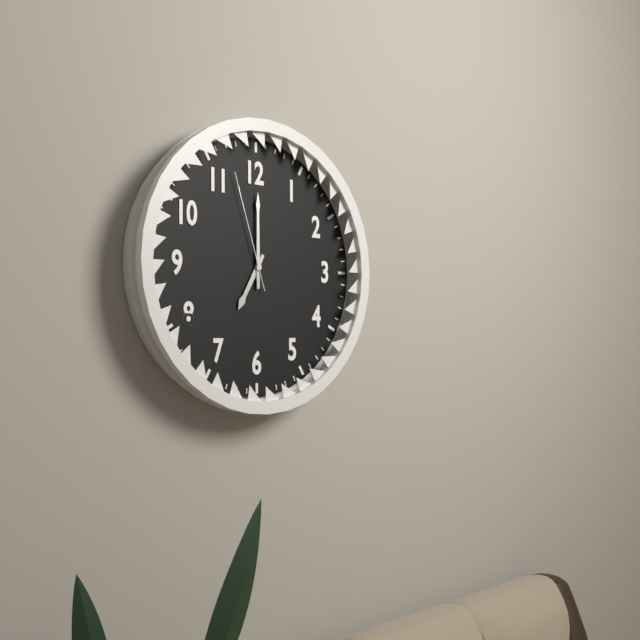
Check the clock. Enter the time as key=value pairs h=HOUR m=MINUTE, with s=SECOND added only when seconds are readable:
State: h=7 m=0 s=57
